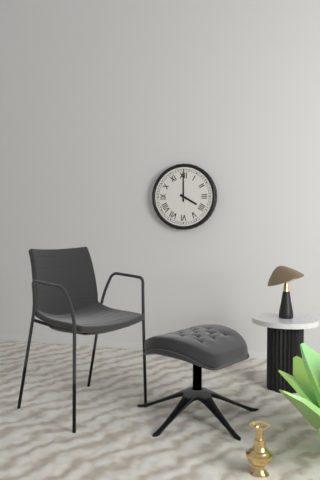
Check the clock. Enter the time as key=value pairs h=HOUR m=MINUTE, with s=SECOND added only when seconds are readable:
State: h=4 m=0
